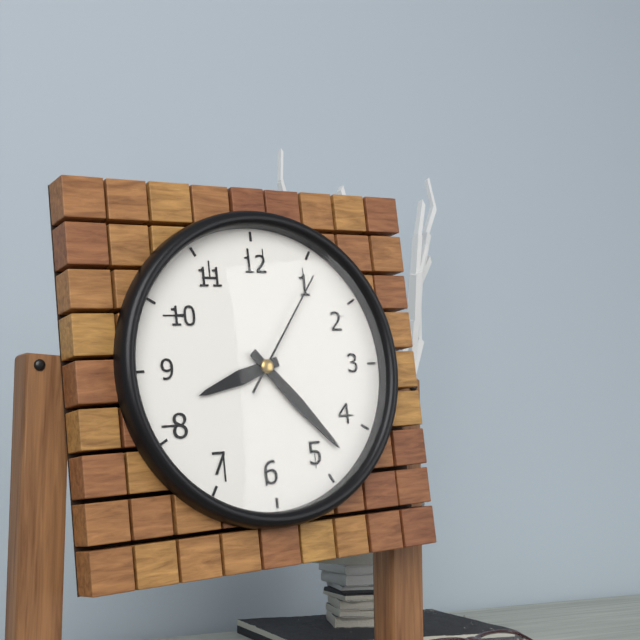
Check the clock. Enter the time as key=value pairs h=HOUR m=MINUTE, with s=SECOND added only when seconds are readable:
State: h=8 m=23 s=6
